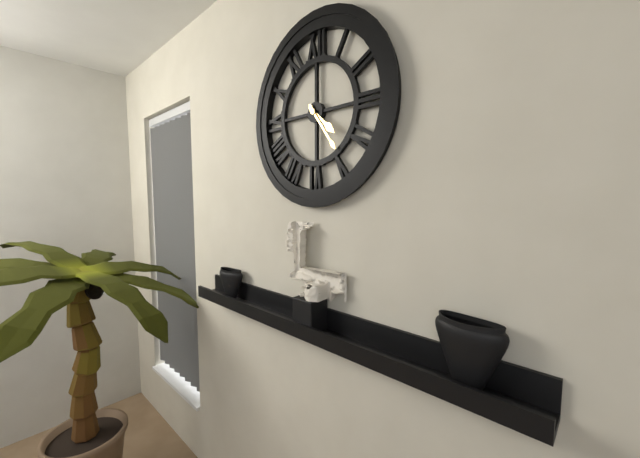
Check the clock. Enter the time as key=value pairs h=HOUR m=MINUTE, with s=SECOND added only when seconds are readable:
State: h=4 m=24
